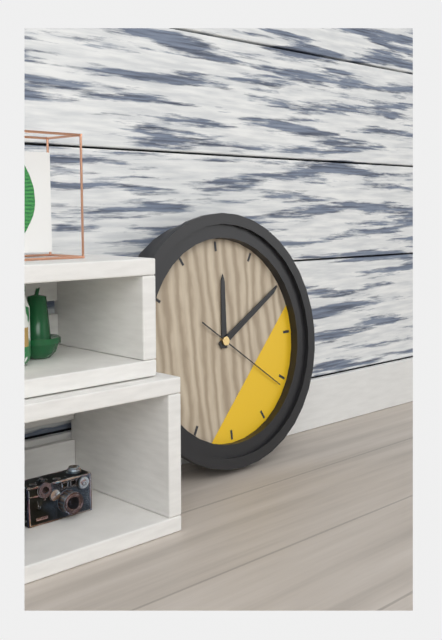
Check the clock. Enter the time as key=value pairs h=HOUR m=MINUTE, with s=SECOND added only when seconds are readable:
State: h=12 m=10 s=21
